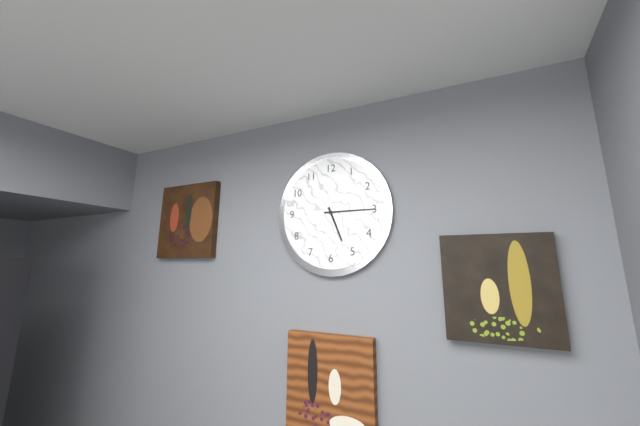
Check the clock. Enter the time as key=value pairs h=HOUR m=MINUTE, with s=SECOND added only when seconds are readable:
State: h=5 m=15
